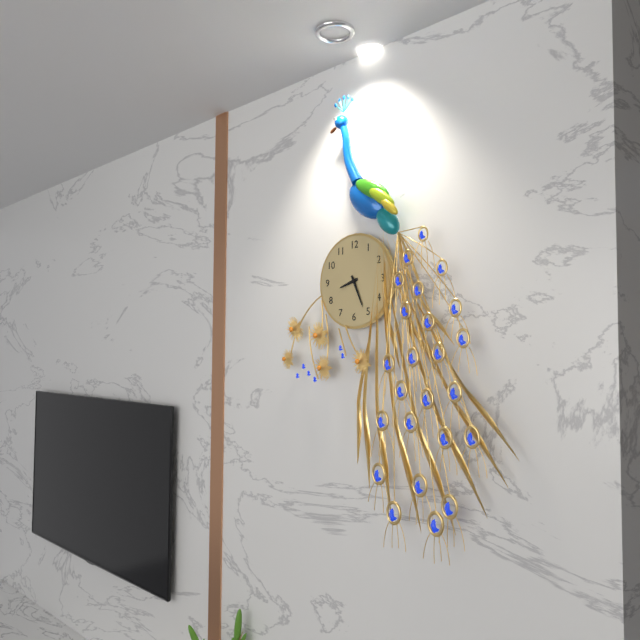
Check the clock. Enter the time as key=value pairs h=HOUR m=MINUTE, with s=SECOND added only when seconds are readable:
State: h=8 m=26
